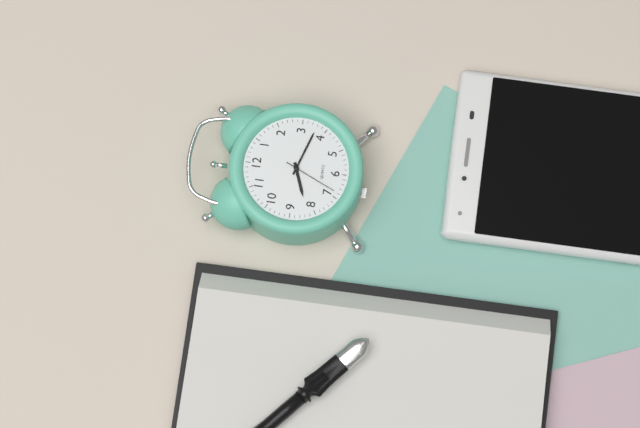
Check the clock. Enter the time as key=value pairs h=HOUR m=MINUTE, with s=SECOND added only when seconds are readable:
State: h=8 m=18 s=34
